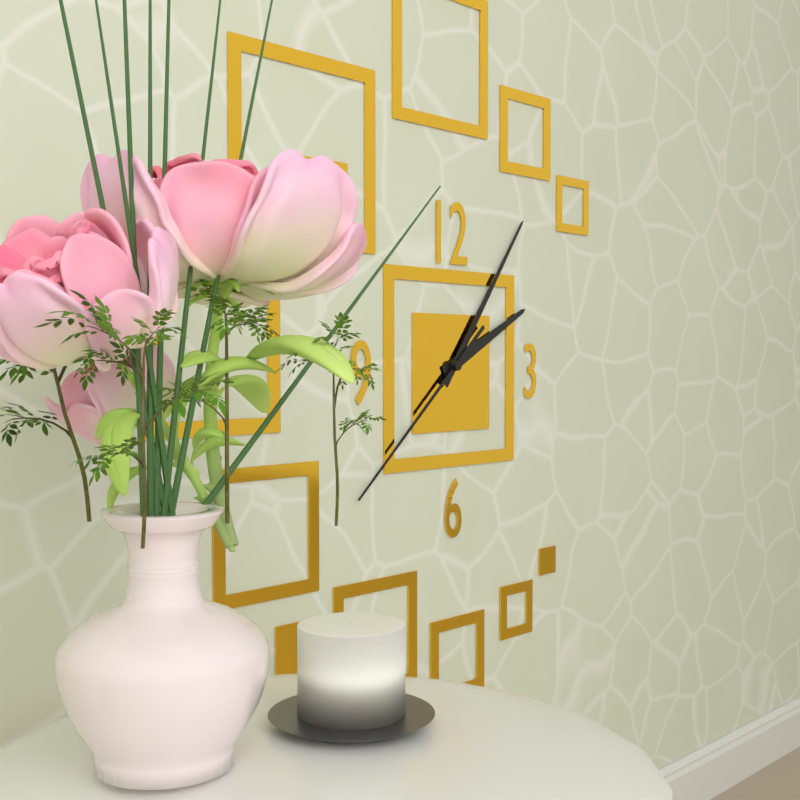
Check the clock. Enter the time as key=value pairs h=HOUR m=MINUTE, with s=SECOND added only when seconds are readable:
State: h=2 m=6 s=38
